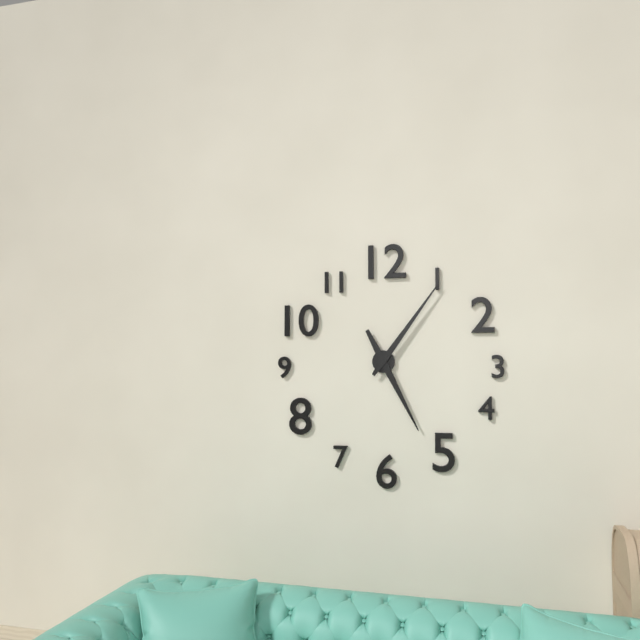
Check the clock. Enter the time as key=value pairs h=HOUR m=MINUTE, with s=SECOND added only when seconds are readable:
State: h=5 m=6
